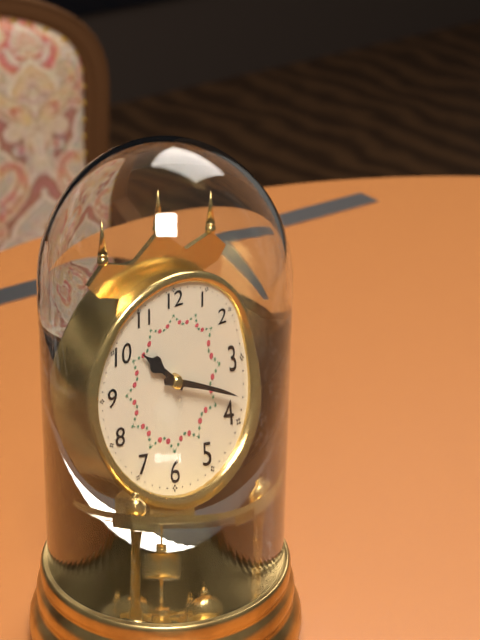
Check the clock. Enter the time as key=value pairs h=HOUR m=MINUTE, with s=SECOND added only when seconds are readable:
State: h=10 m=18
